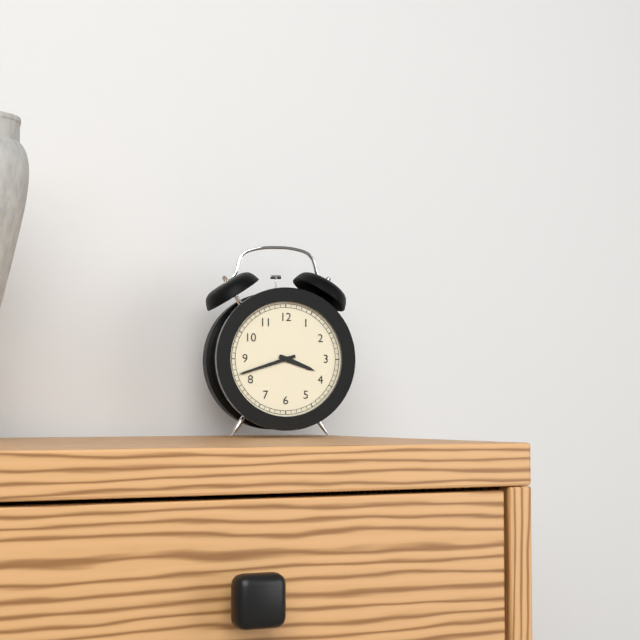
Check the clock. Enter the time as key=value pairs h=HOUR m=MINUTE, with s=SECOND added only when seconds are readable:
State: h=3 m=42
